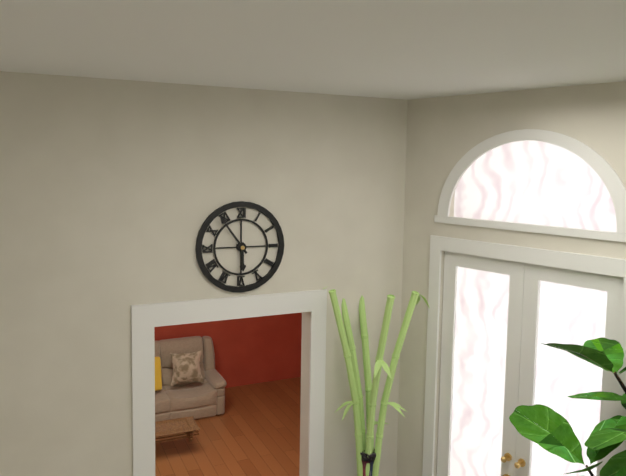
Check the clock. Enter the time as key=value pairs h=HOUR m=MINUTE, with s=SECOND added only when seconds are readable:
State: h=5 m=54
